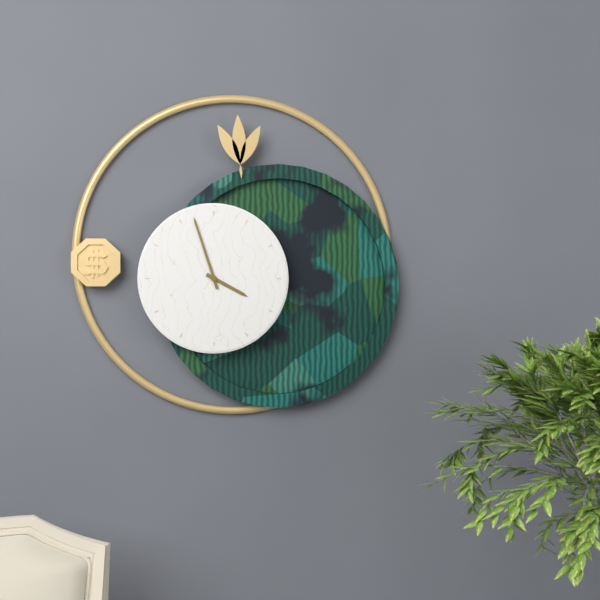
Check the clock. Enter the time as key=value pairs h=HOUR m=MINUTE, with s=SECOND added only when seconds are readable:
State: h=3 m=57
